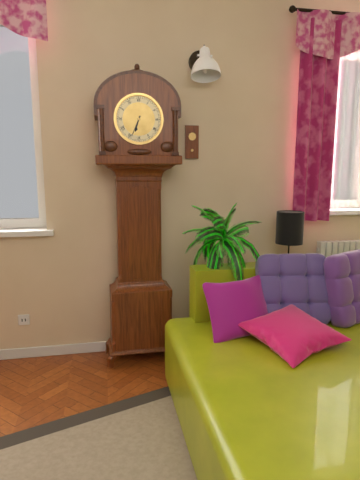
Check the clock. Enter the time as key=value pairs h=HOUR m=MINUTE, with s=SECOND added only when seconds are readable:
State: h=6 m=34
